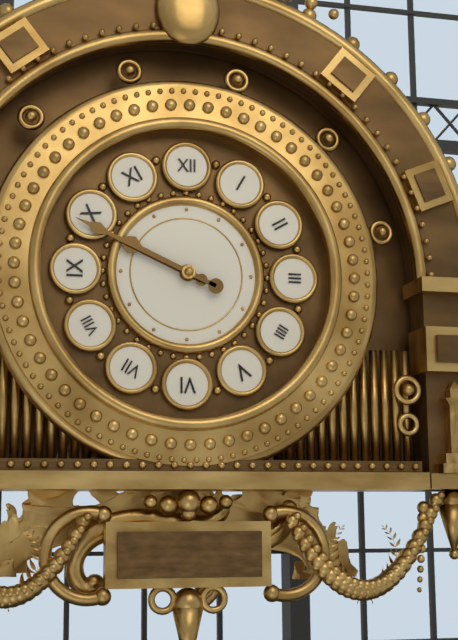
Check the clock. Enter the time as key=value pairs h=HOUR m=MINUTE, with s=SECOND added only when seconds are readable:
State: h=9 m=49
